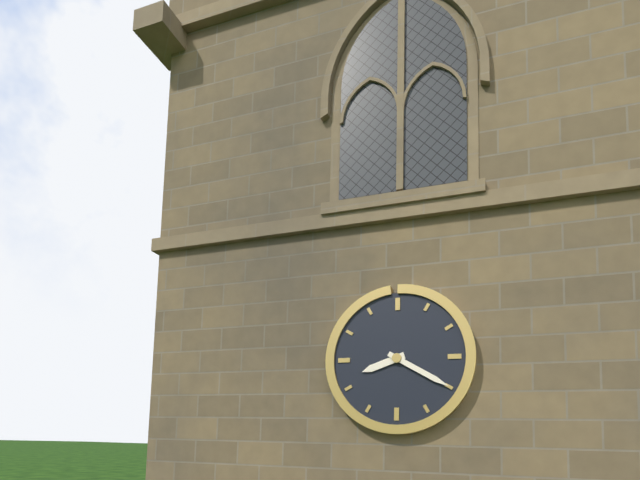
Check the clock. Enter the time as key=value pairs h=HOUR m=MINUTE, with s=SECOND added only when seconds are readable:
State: h=8 m=20
